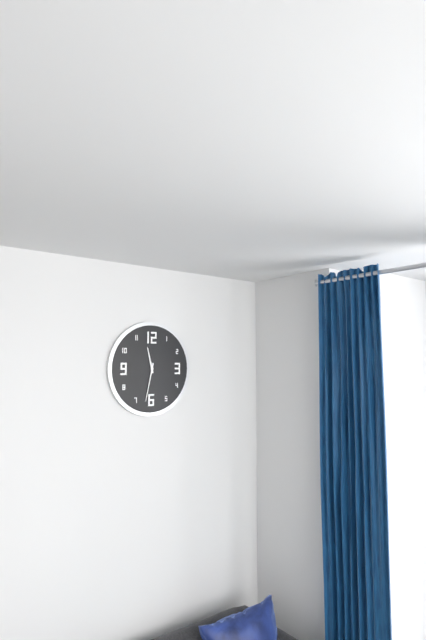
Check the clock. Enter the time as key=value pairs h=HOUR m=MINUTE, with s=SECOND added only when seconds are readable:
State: h=11 m=32
